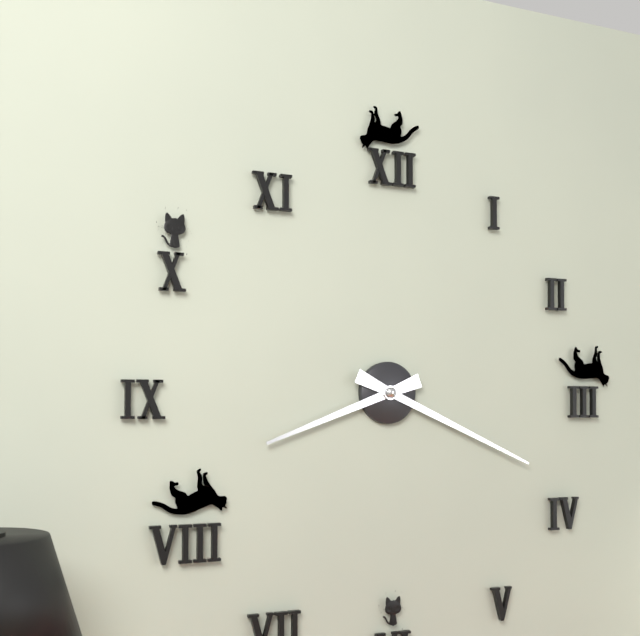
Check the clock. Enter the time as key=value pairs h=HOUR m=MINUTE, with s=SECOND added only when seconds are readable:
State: h=8 m=19
